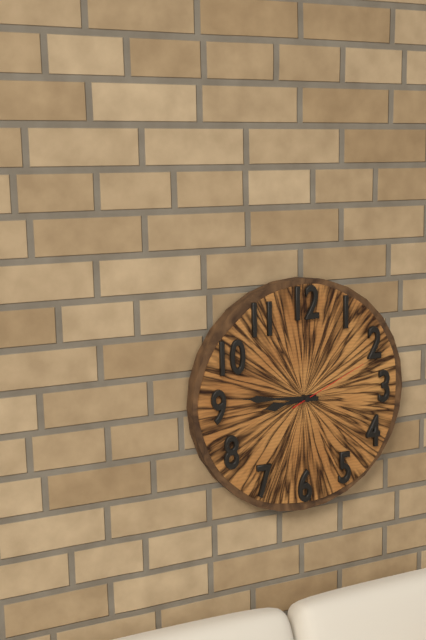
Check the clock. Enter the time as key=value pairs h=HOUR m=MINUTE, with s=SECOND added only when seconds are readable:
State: h=8 m=46 s=11
